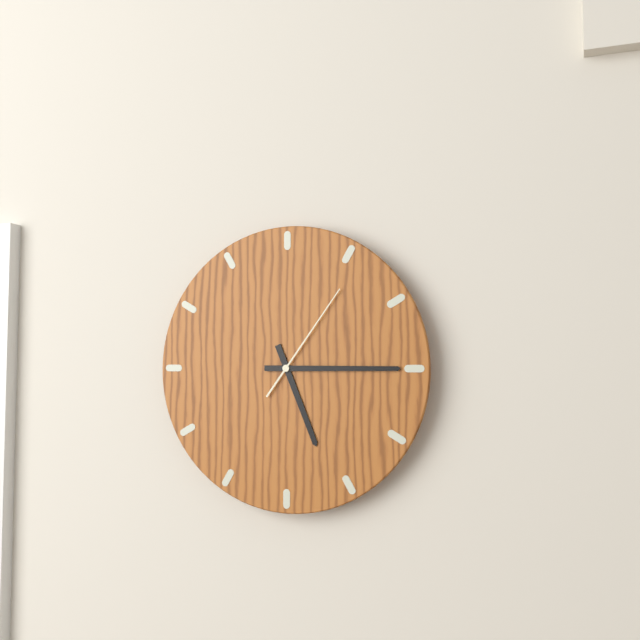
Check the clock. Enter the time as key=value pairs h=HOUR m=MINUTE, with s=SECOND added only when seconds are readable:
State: h=5 m=15 s=6
